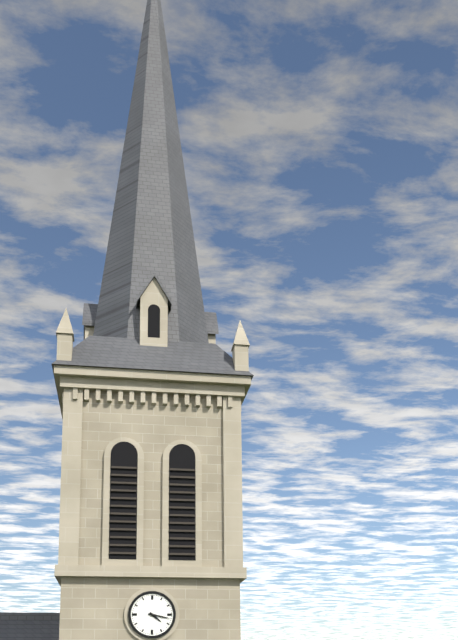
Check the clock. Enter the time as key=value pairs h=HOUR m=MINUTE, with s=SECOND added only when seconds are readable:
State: h=4 m=17
